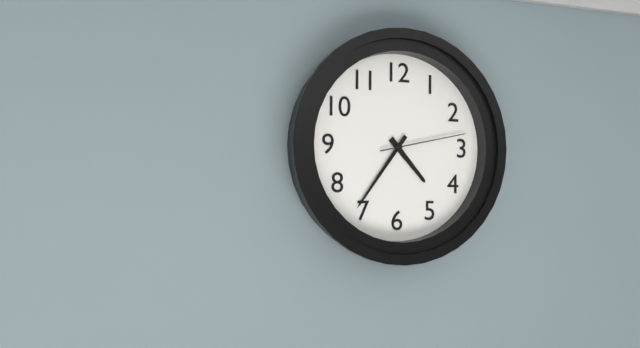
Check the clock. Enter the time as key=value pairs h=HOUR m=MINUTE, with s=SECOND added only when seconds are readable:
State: h=4 m=36 s=13
